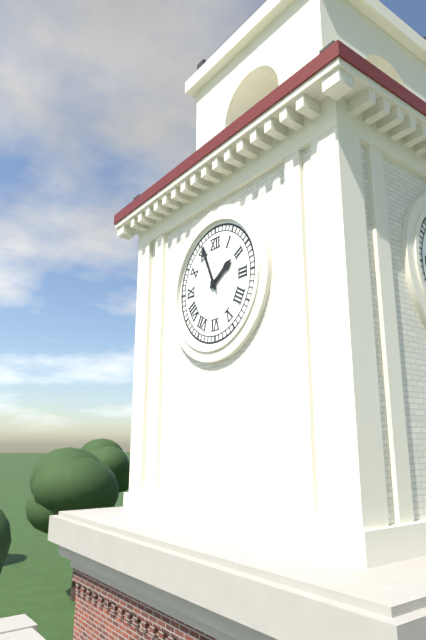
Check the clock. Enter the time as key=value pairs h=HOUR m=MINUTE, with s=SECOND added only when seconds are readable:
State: h=1 m=56
